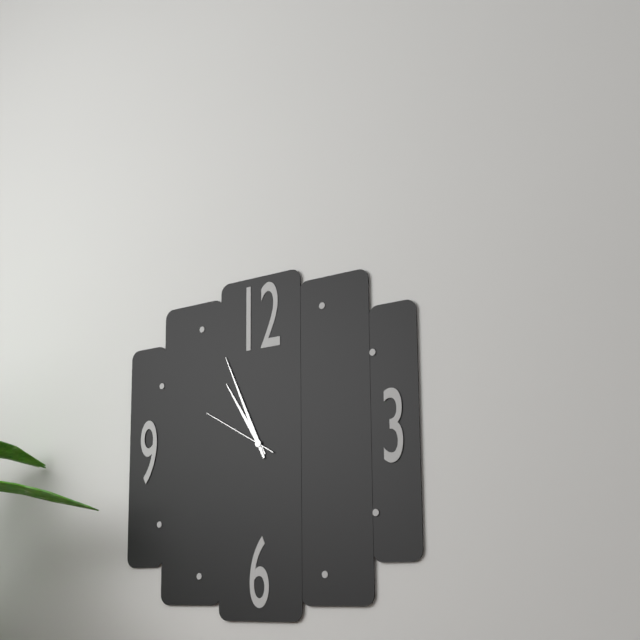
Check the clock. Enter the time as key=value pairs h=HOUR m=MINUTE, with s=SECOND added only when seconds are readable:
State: h=10 m=56 s=50
